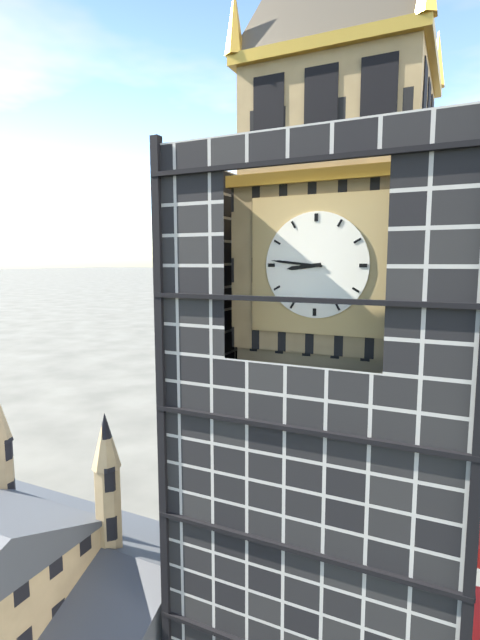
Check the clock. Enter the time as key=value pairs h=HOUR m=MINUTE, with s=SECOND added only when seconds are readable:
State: h=8 m=46
